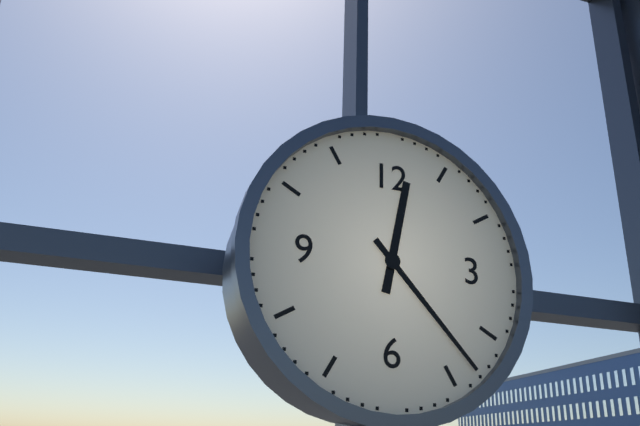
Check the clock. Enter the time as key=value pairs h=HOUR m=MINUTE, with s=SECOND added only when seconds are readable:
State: h=12 m=23
